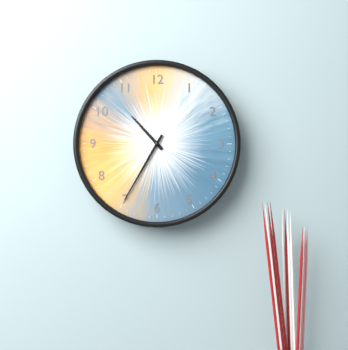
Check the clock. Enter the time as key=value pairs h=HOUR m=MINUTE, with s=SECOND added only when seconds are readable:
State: h=10 m=35
